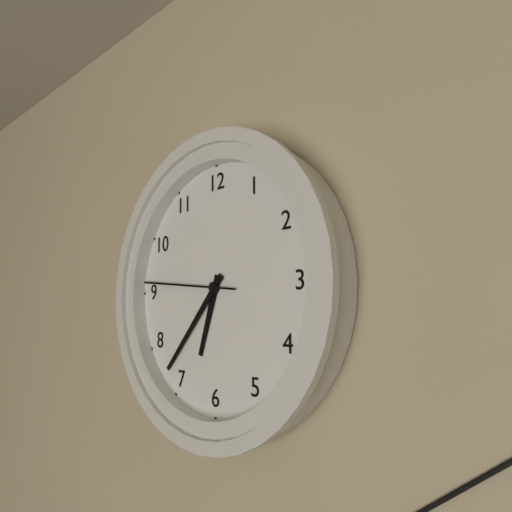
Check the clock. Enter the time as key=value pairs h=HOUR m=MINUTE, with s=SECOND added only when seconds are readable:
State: h=6 m=37 s=46
